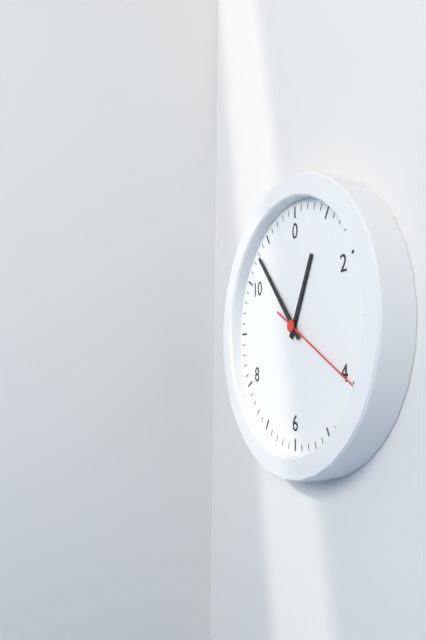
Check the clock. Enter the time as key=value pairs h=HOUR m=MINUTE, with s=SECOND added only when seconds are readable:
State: h=12 m=53 s=20
